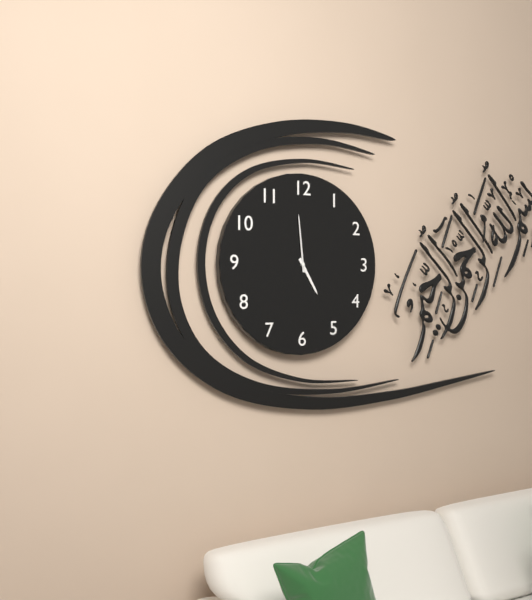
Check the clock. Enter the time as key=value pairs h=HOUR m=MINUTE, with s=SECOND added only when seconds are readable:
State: h=4 m=59
